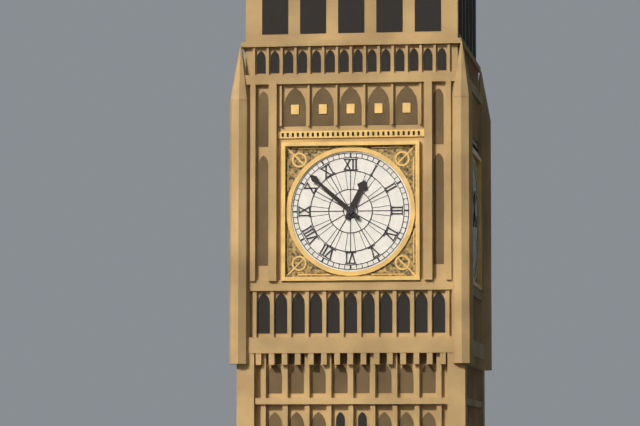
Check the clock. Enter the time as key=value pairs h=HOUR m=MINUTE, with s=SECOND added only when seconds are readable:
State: h=12 m=52
